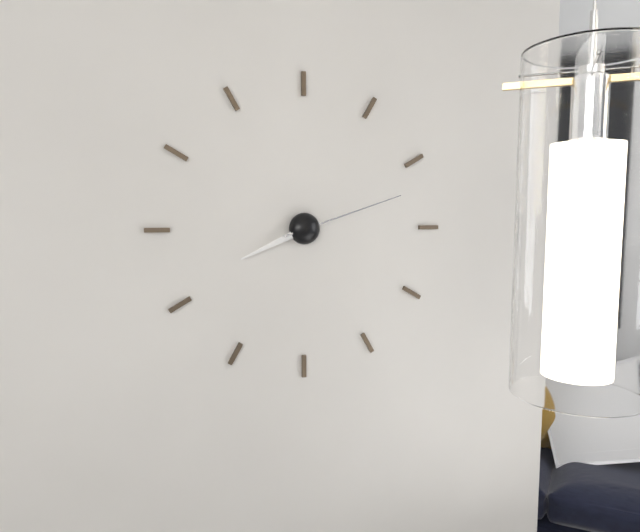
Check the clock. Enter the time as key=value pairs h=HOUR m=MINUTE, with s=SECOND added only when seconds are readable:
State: h=8 m=12
